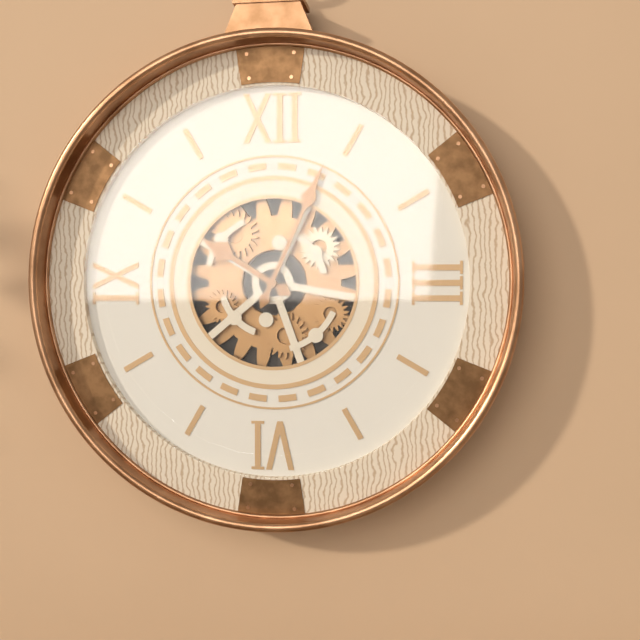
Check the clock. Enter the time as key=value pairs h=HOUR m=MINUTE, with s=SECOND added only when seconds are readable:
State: h=10 m=4
